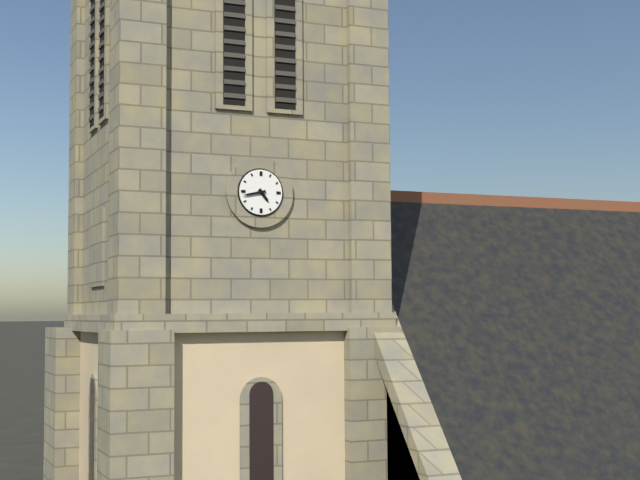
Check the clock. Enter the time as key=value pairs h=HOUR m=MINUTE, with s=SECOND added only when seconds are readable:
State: h=4 m=43
